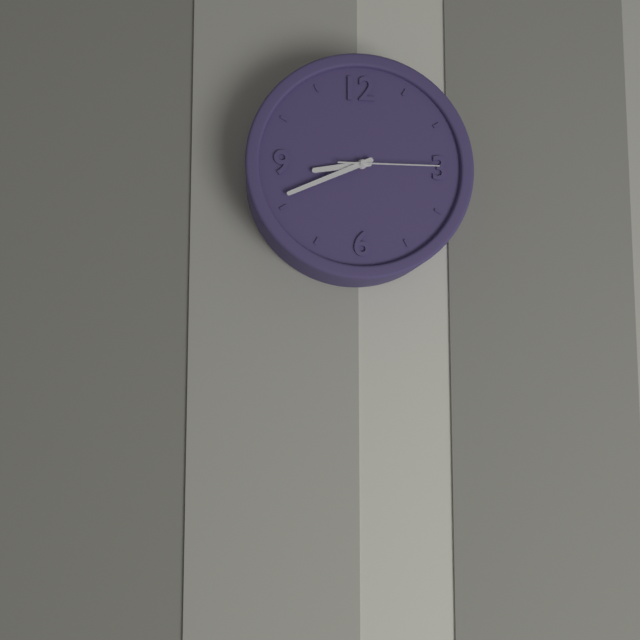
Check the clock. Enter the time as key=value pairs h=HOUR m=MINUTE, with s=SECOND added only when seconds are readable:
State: h=8 m=41 s=15
